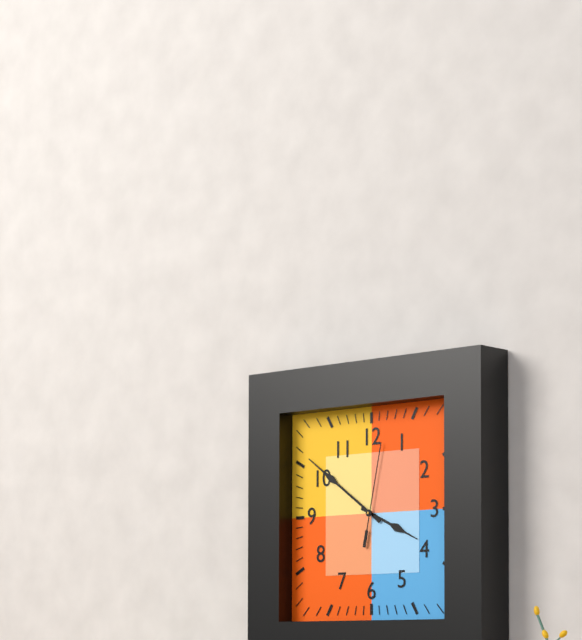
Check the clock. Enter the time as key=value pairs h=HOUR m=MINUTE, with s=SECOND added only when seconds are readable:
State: h=3 m=51 s=2
